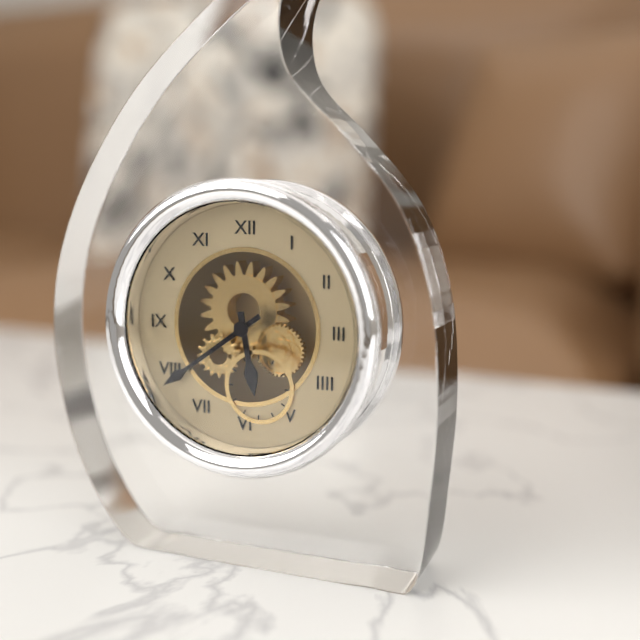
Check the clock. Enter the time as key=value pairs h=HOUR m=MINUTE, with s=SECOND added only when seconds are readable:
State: h=5 m=39
